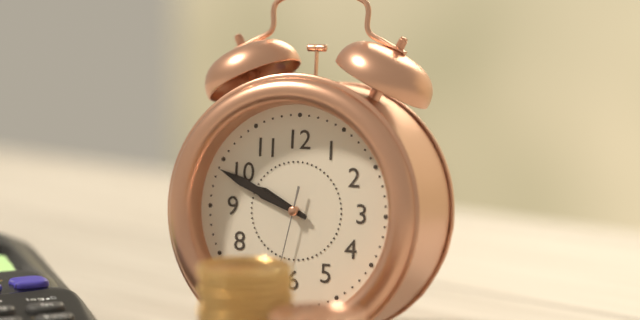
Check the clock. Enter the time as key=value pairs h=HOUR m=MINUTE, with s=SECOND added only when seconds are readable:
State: h=9 m=49
